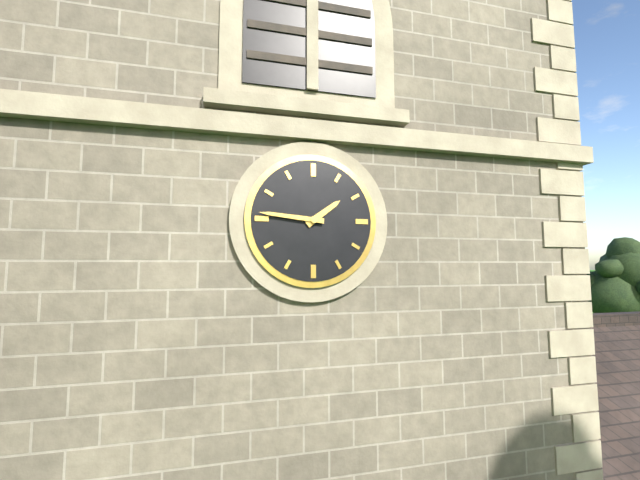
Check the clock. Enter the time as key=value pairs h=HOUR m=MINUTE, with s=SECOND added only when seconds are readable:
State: h=1 m=46
